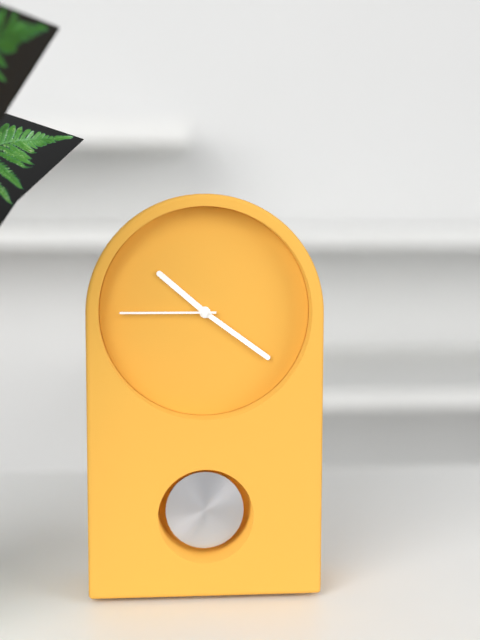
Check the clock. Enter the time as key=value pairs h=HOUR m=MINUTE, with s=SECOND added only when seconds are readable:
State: h=10 m=21 s=45
